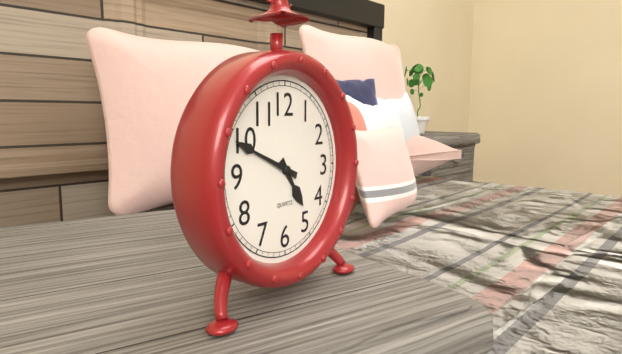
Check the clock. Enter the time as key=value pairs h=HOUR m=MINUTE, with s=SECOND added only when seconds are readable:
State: h=4 m=49
